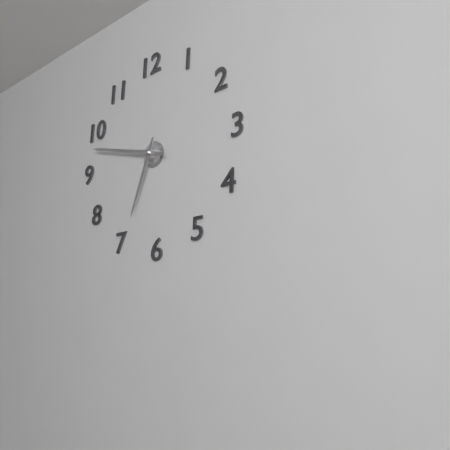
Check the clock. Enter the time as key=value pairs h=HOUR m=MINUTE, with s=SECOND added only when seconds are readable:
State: h=6 m=48
